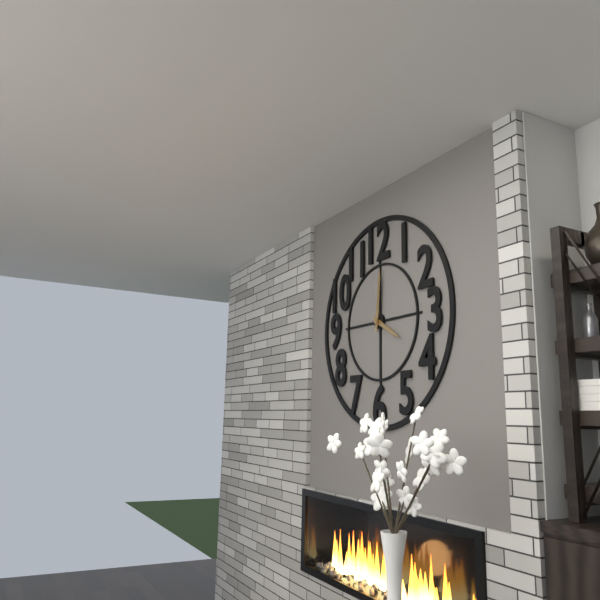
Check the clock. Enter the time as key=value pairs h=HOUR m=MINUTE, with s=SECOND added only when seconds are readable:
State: h=4 m=1
